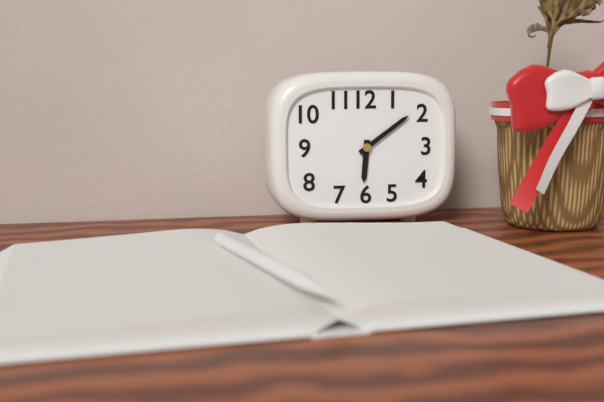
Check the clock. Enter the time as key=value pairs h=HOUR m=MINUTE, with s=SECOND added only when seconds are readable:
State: h=6 m=9
